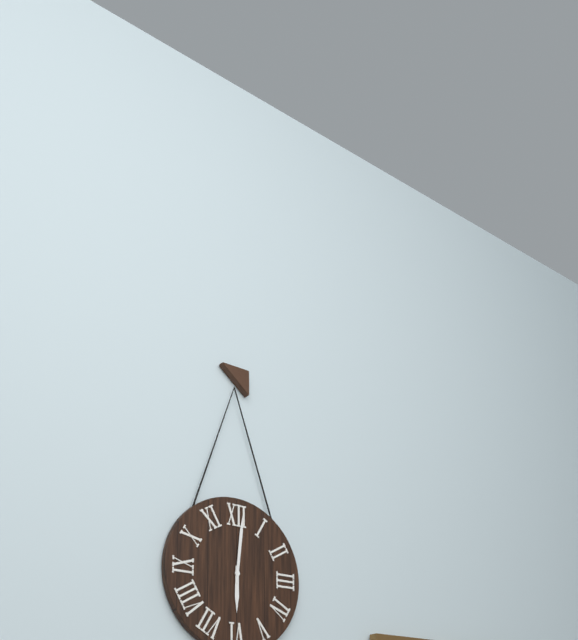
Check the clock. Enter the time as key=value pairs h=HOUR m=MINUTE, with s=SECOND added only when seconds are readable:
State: h=6 m=1
